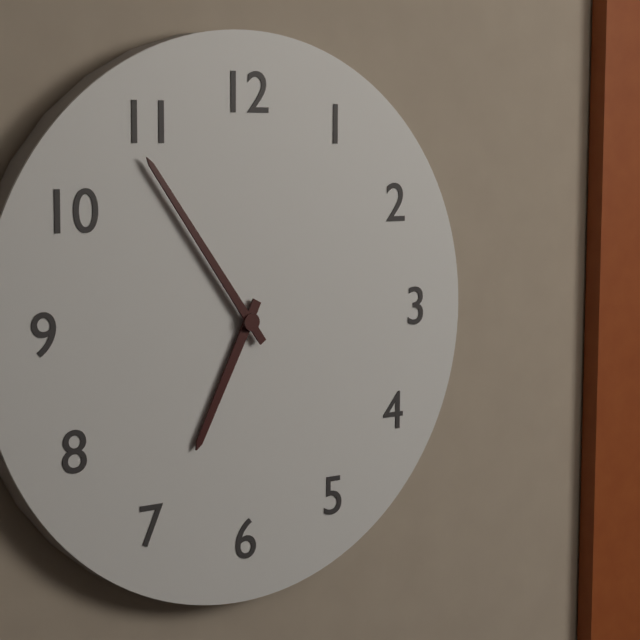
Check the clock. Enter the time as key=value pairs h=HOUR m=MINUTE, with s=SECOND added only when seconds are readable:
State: h=6 m=54
